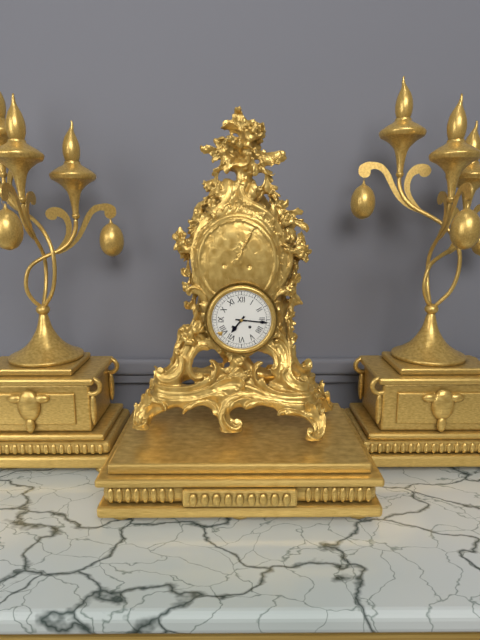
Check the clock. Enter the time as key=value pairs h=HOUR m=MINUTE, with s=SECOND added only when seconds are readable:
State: h=7 m=16
